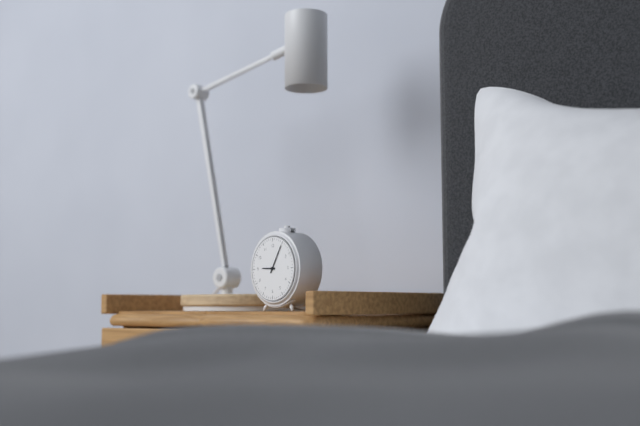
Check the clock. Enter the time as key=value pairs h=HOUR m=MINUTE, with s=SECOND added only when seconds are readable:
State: h=9 m=5
